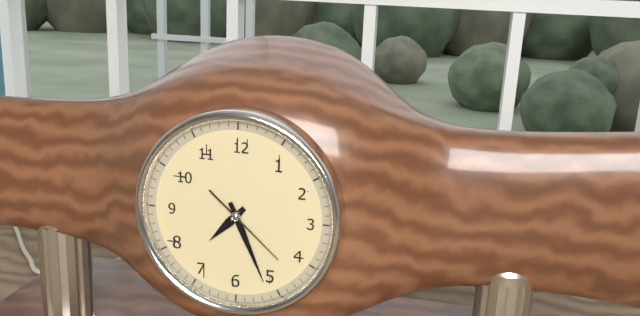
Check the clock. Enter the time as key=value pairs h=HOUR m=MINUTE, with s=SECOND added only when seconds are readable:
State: h=7 m=26 s=22
